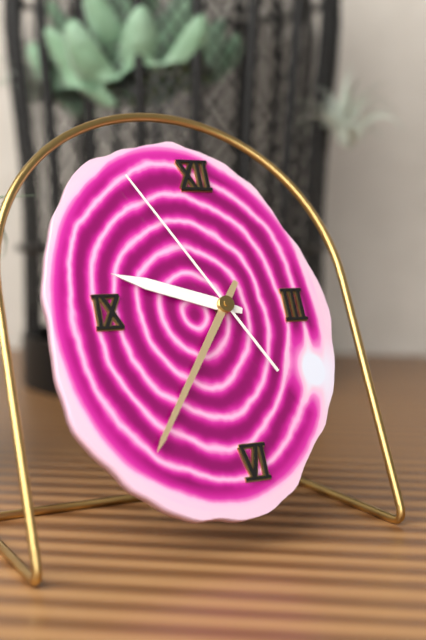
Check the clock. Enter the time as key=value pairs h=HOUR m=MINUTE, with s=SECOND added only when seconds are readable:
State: h=9 m=36 s=55
